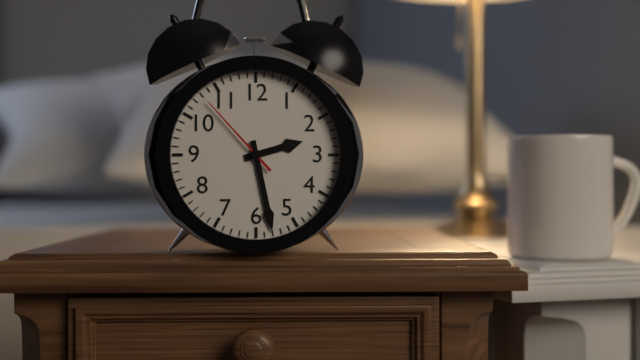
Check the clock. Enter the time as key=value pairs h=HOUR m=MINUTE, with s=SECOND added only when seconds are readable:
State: h=2 m=28 s=53
